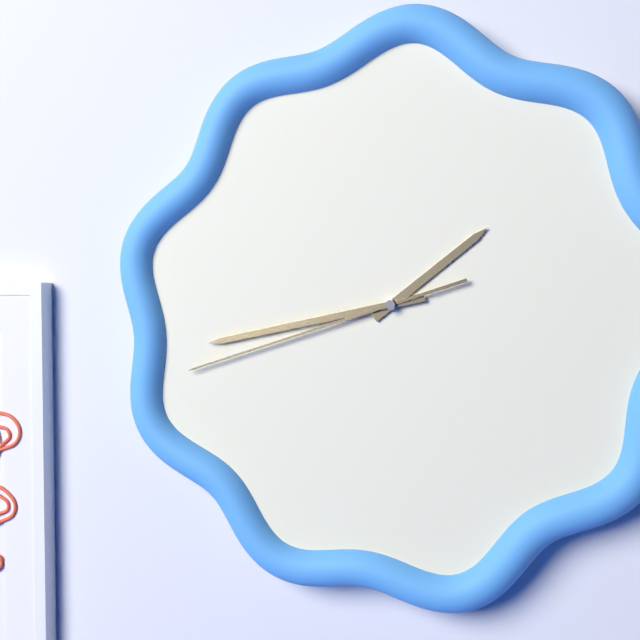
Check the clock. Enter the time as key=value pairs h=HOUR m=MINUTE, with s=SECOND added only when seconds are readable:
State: h=1 m=43 s=42
